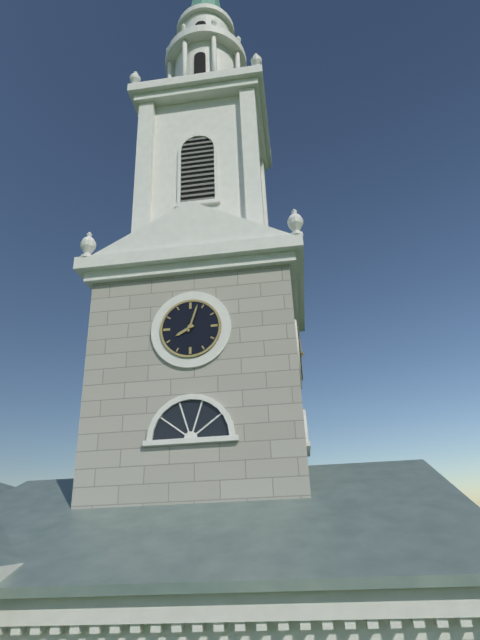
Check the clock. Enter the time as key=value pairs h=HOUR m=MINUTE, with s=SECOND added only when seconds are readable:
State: h=8 m=3
